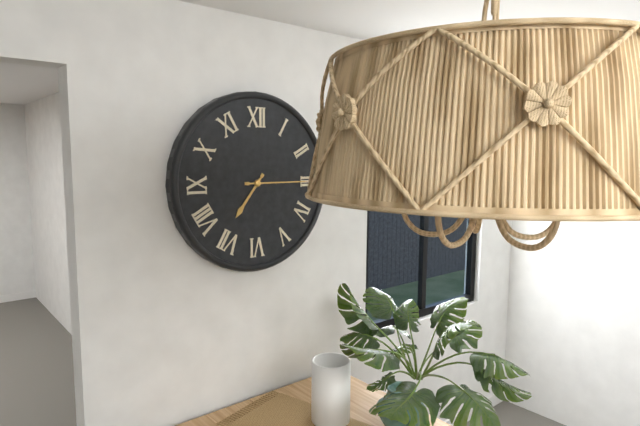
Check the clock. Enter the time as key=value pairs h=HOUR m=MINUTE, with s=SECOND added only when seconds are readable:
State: h=7 m=15
